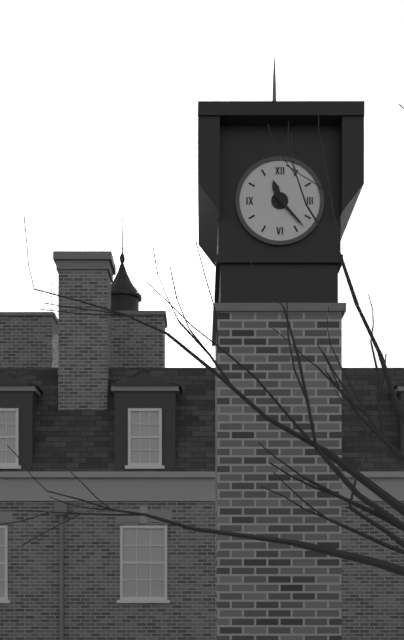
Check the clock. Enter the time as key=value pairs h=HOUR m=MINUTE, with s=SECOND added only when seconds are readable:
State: h=11 m=23
